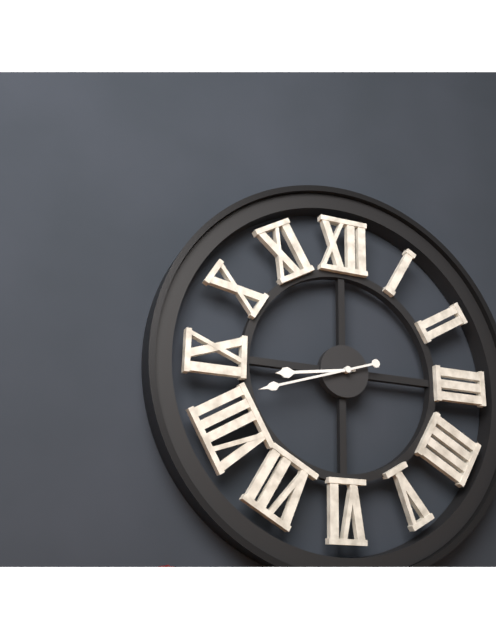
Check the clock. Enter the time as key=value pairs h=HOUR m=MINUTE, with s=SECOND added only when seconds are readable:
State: h=8 m=42
